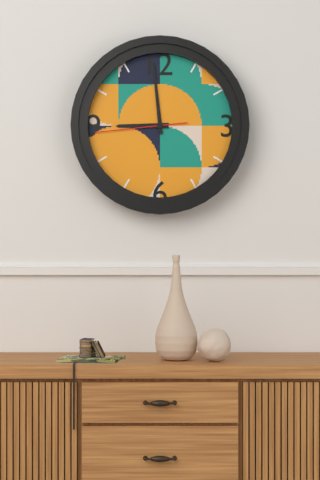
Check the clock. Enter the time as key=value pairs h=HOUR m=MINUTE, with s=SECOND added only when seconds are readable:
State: h=8 m=59 s=44
